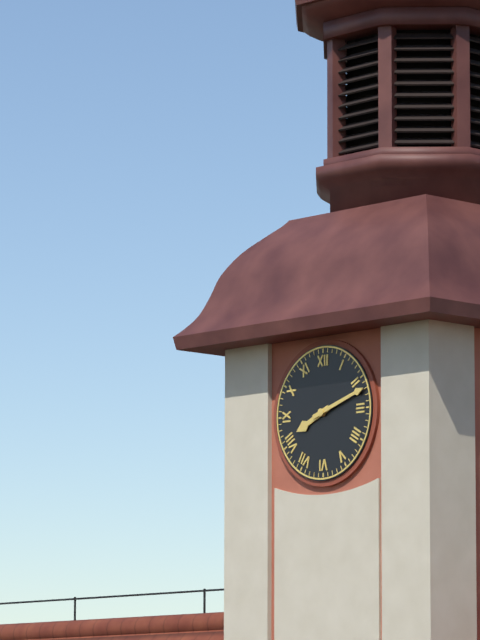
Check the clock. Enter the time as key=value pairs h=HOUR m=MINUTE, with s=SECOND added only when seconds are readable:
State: h=8 m=12
